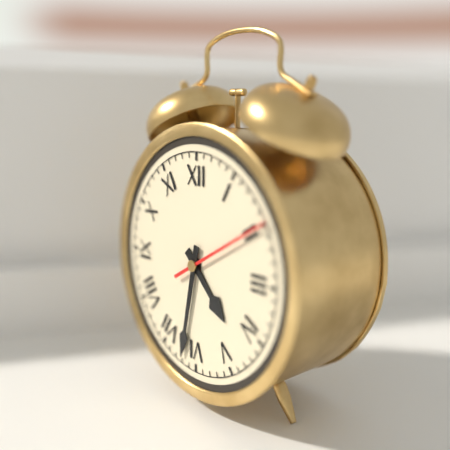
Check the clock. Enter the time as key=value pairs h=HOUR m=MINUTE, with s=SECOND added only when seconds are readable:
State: h=4 m=32 s=10
